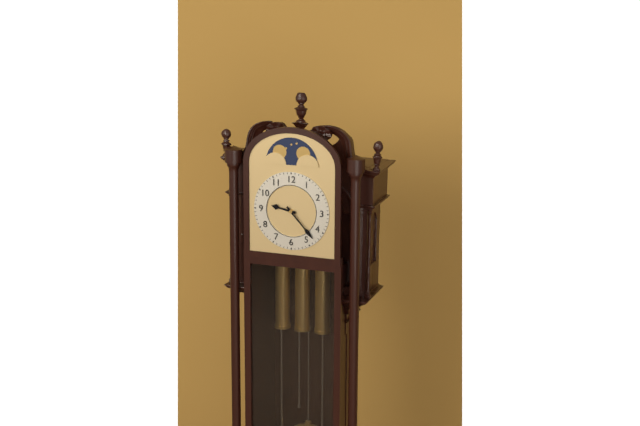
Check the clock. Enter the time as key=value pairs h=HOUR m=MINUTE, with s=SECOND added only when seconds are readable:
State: h=9 m=23
